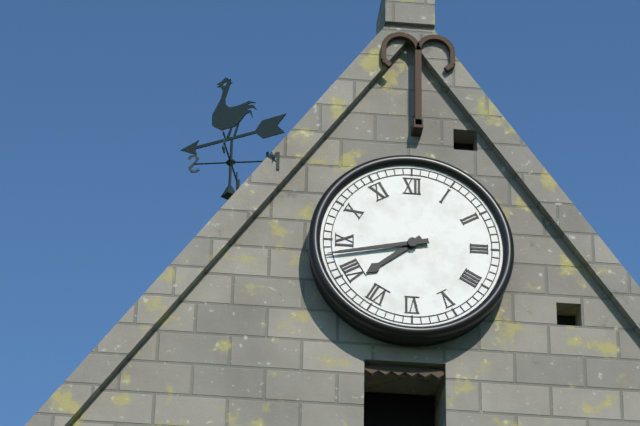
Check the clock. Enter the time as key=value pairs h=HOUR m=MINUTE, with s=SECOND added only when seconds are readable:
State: h=7 m=43
